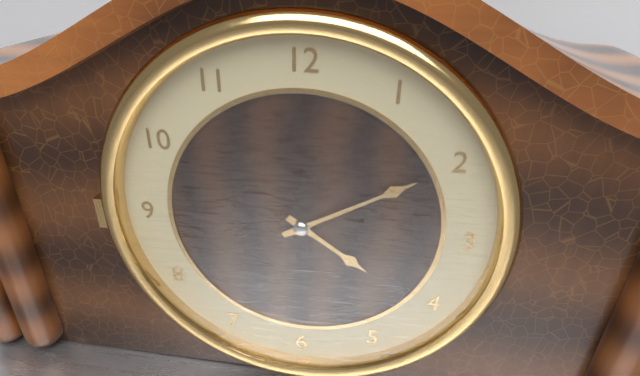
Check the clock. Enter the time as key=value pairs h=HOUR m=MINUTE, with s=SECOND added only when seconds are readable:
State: h=4 m=10
